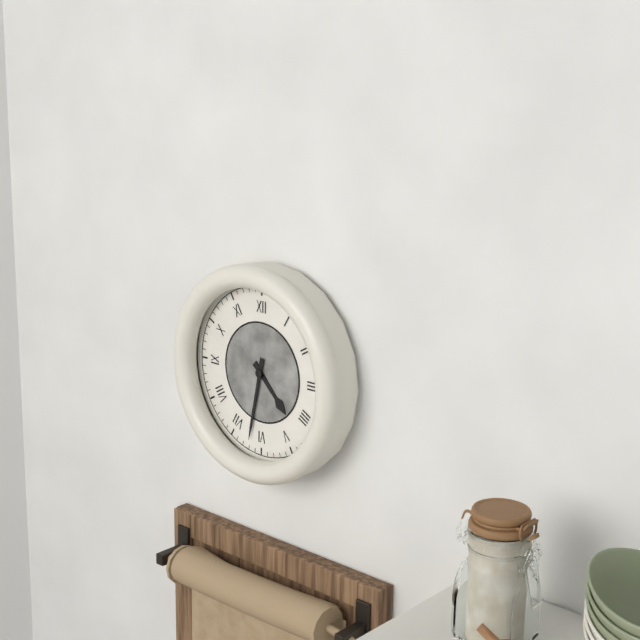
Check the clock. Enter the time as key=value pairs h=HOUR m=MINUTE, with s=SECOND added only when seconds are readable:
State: h=4 m=32
